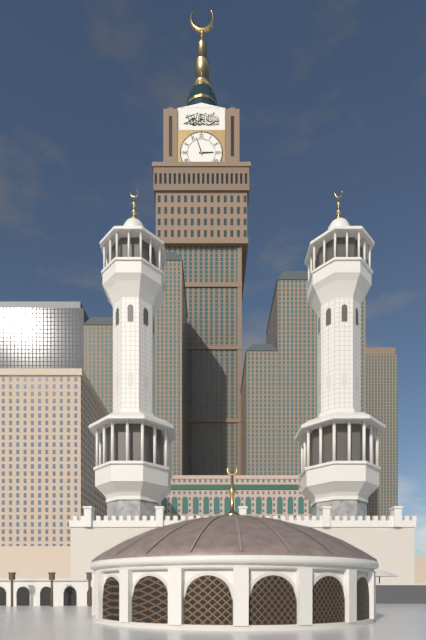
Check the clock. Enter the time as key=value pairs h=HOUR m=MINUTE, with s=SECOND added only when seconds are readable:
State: h=2 m=57
